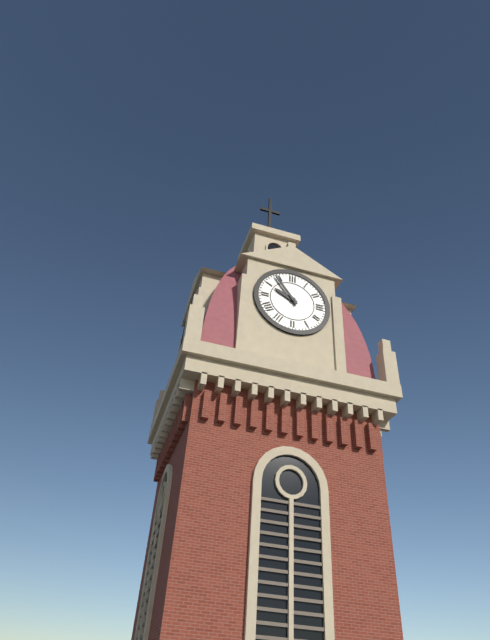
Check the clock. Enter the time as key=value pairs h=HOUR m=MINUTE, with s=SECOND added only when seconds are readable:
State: h=9 m=54
